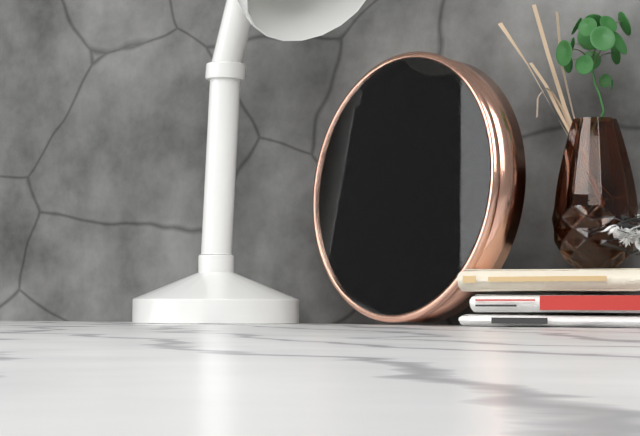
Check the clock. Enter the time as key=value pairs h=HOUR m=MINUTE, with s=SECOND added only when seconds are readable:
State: h=6 m=41 s=56
